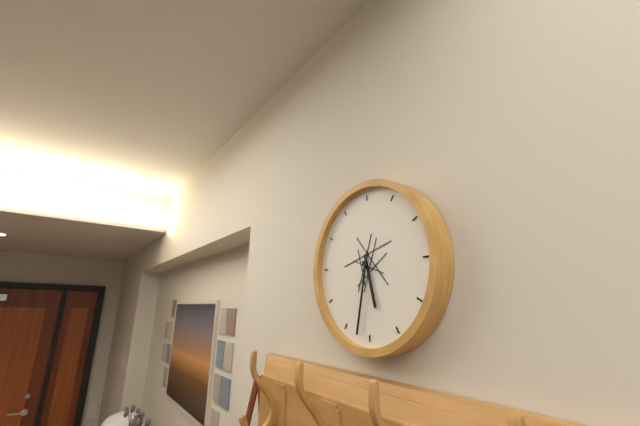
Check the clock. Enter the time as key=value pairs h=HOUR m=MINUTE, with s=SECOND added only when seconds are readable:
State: h=5 m=32
